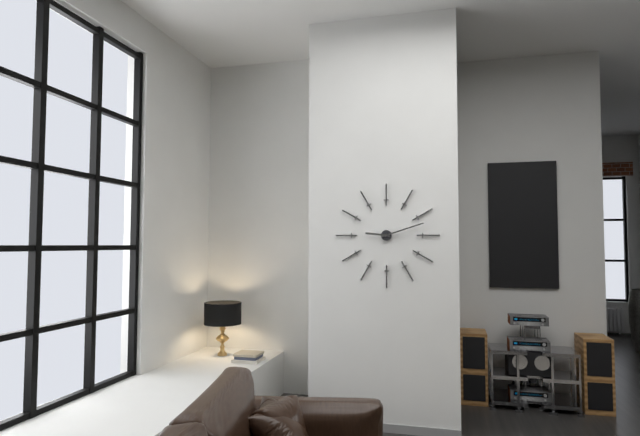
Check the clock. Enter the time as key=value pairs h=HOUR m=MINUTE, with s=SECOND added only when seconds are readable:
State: h=9 m=12
